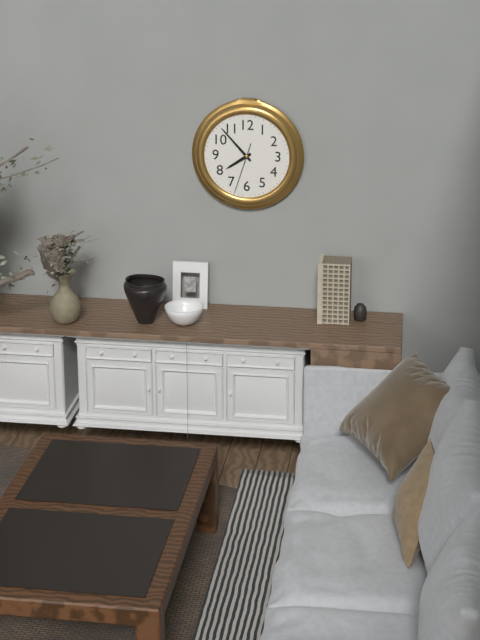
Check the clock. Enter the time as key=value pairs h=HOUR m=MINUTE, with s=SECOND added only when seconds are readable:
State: h=7 m=53
